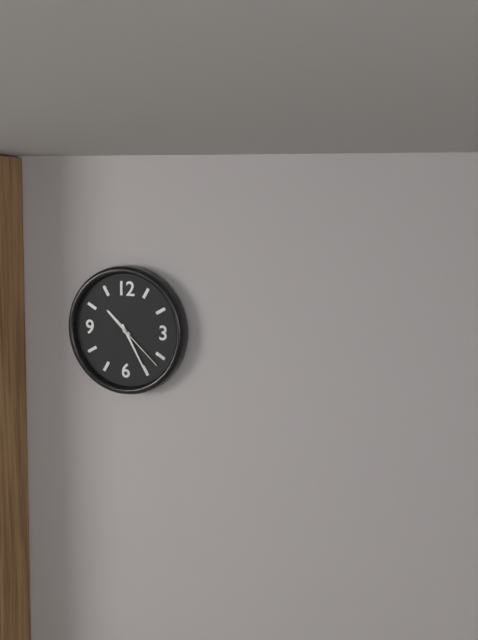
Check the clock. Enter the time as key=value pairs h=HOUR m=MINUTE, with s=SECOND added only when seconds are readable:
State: h=10 m=25 s=22
